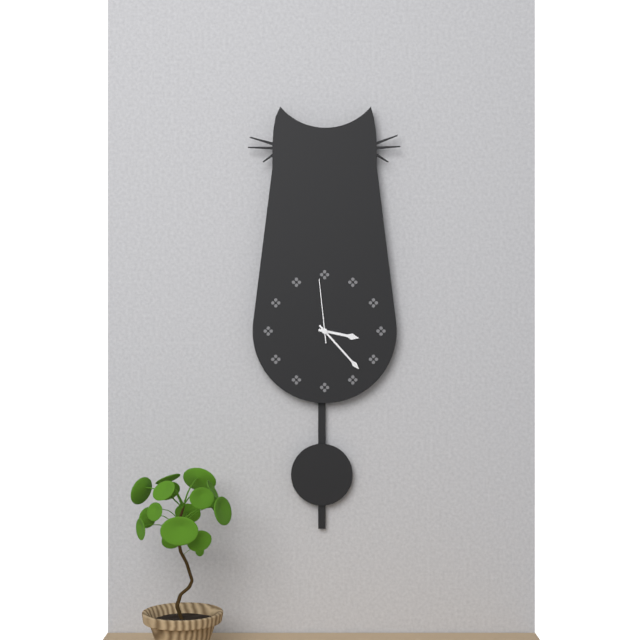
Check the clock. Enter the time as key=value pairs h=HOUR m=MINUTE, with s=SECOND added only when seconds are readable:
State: h=3 m=23 s=59
